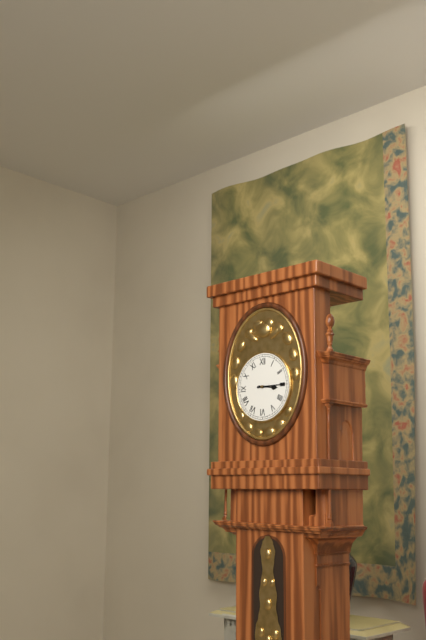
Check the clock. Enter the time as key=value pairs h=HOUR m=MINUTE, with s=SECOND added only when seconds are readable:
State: h=3 m=15
